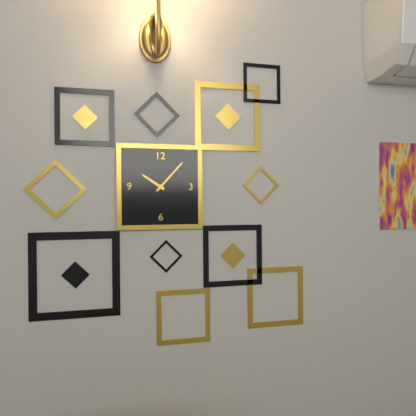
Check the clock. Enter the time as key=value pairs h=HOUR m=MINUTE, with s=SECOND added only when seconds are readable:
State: h=10 m=7
